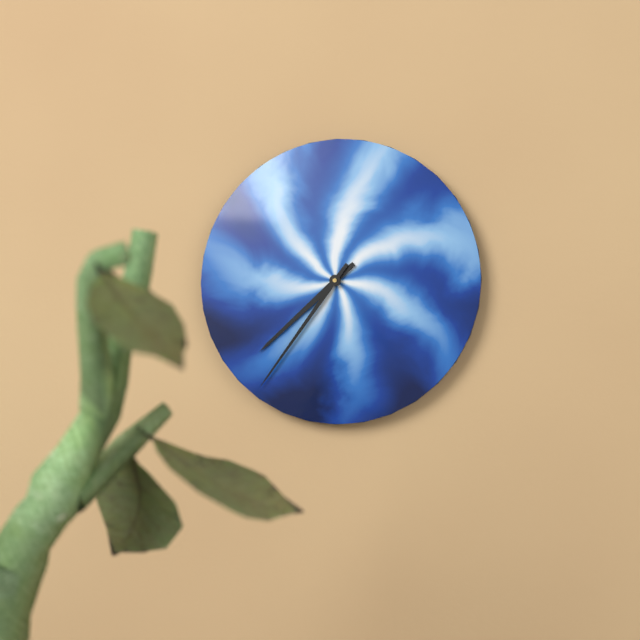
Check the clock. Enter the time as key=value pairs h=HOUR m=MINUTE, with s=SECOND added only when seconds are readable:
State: h=7 m=36
